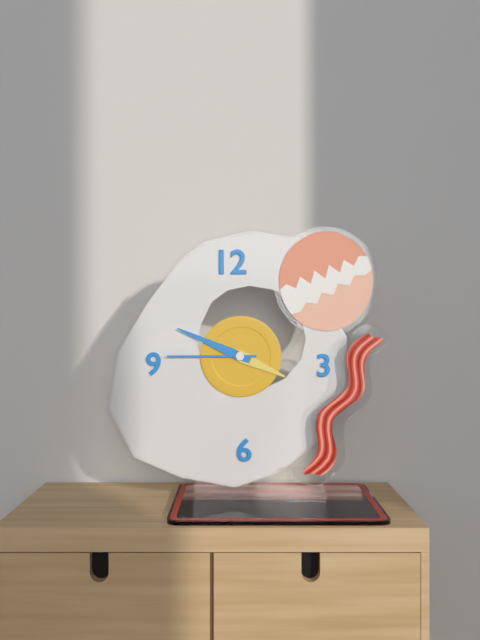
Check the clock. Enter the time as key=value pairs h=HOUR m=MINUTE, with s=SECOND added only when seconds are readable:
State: h=3 m=49 s=45
